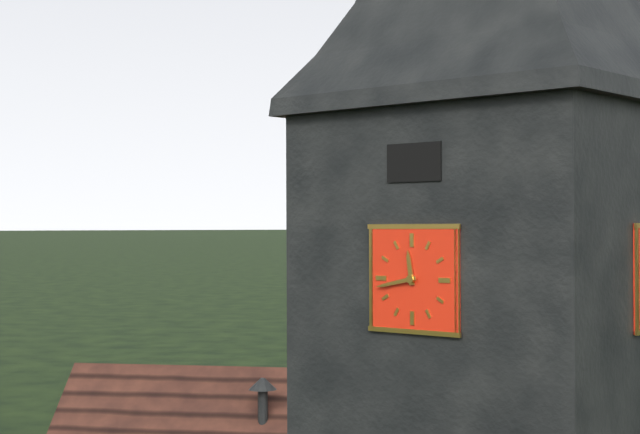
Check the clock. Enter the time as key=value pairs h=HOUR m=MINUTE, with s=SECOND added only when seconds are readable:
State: h=11 m=43
